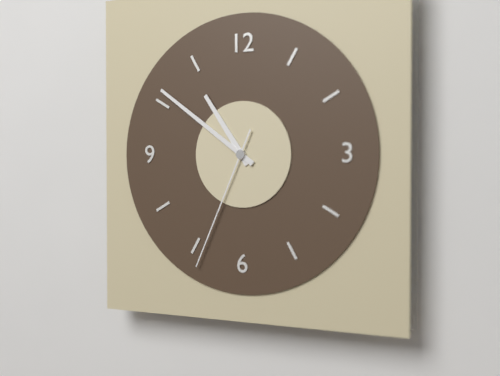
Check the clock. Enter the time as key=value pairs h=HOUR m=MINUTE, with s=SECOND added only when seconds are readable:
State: h=10 m=51 s=34
